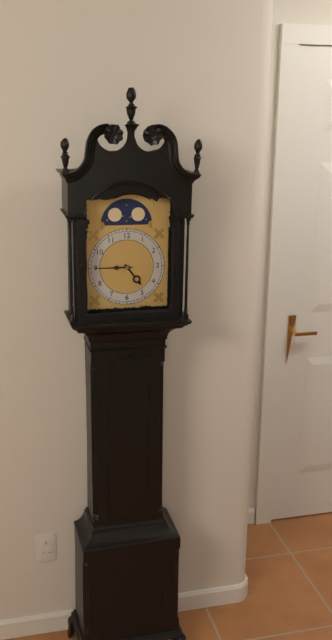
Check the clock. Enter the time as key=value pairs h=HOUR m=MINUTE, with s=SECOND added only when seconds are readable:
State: h=4 m=45
